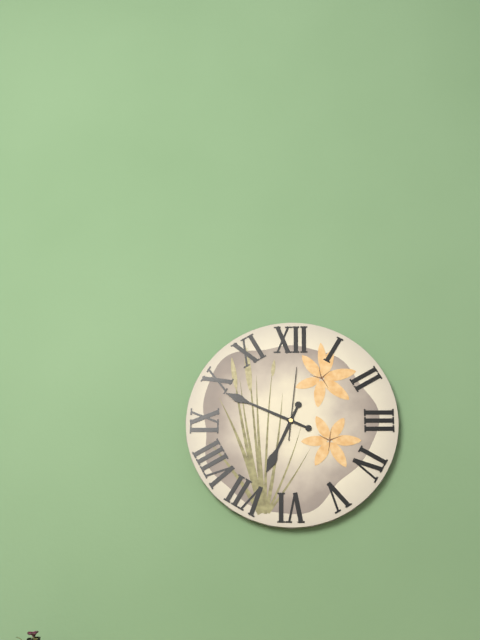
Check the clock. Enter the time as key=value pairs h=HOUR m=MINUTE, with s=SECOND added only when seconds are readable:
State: h=6 m=49 s=1
